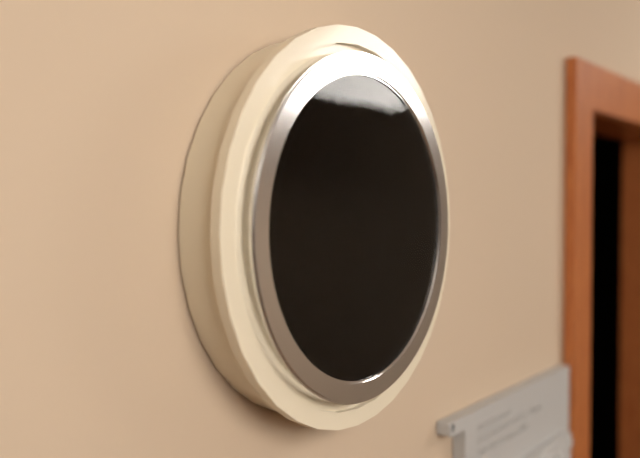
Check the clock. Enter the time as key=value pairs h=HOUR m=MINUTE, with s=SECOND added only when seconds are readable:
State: h=9 m=28
